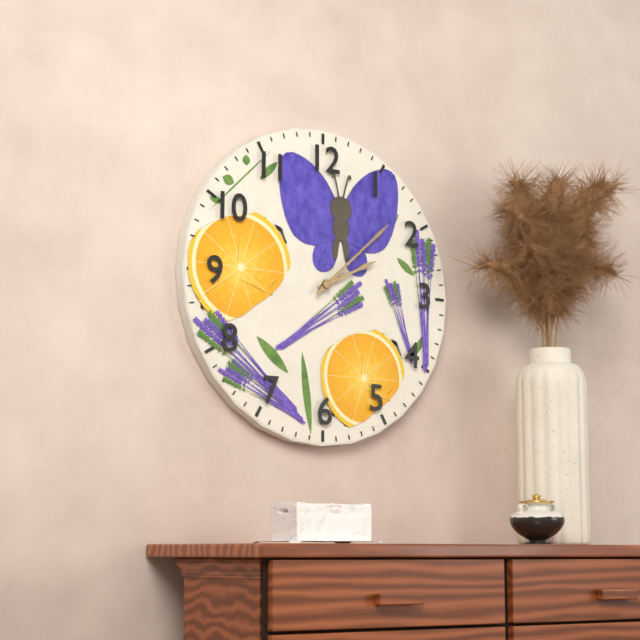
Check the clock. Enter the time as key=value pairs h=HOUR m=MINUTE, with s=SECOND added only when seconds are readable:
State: h=2 m=8
